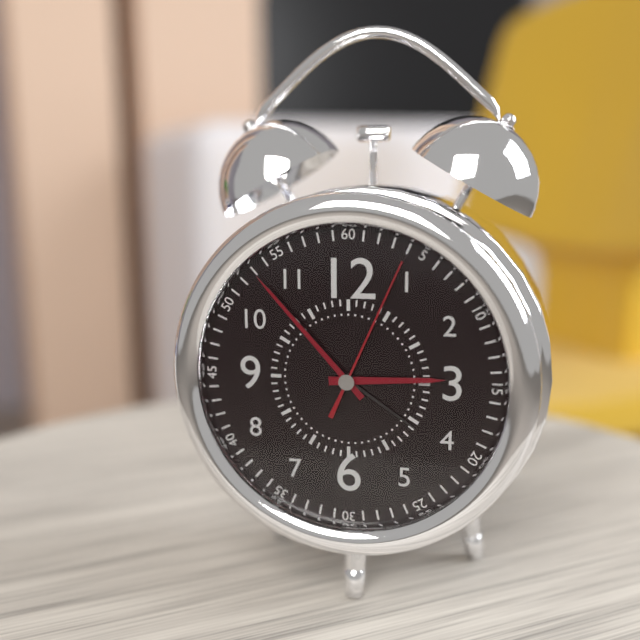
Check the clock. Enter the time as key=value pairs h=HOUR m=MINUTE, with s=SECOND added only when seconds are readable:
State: h=2 m=53 s=4
